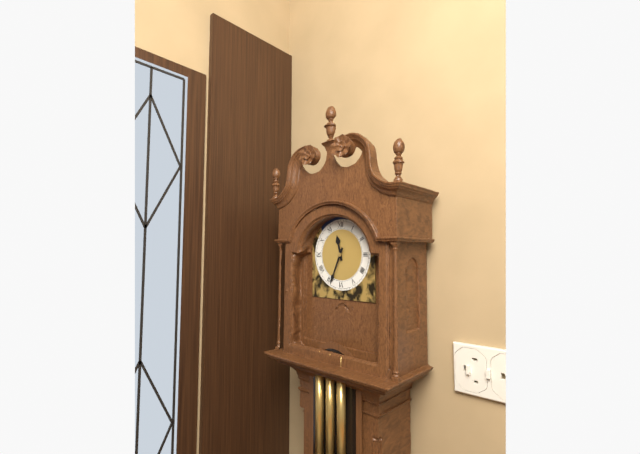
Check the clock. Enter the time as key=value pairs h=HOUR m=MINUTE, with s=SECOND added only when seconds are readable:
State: h=11 m=34
